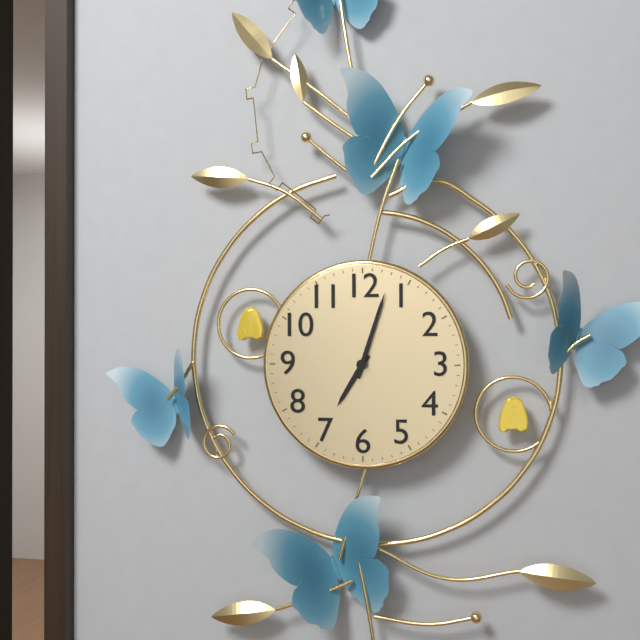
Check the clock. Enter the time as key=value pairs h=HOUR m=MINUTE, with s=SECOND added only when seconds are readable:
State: h=7 m=3
